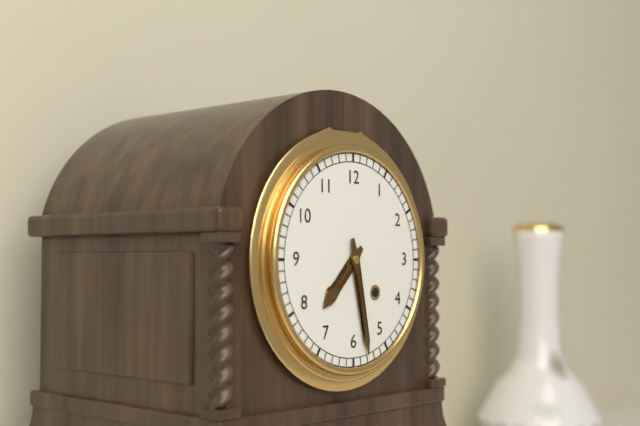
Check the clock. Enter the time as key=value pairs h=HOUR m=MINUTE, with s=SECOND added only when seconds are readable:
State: h=7 m=28
